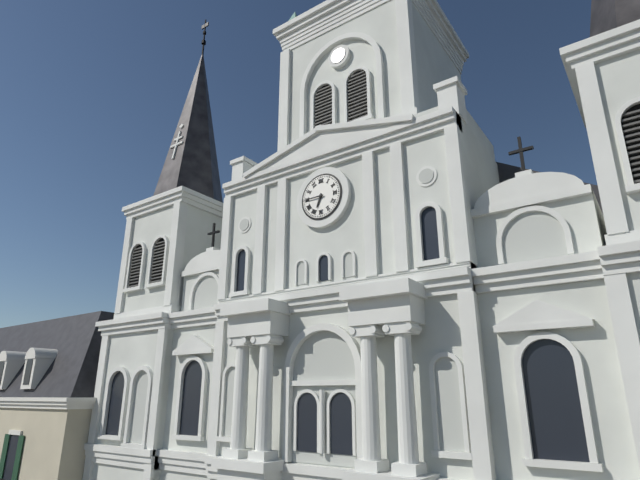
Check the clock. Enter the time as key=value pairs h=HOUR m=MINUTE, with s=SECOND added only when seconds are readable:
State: h=6 m=45
